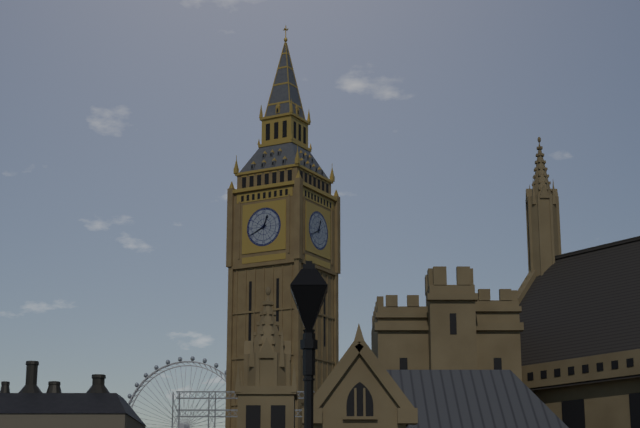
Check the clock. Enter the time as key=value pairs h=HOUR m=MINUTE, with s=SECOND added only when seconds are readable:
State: h=12 m=41
